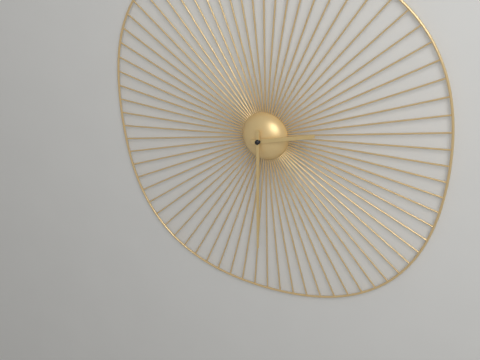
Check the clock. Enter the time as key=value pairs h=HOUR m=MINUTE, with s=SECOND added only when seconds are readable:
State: h=2 m=30
